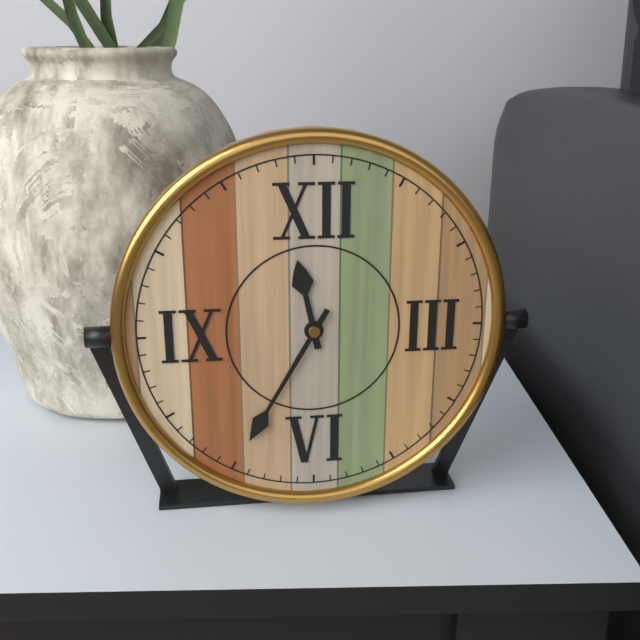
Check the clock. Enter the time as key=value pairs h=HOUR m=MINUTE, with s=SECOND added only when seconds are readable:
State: h=11 m=35
